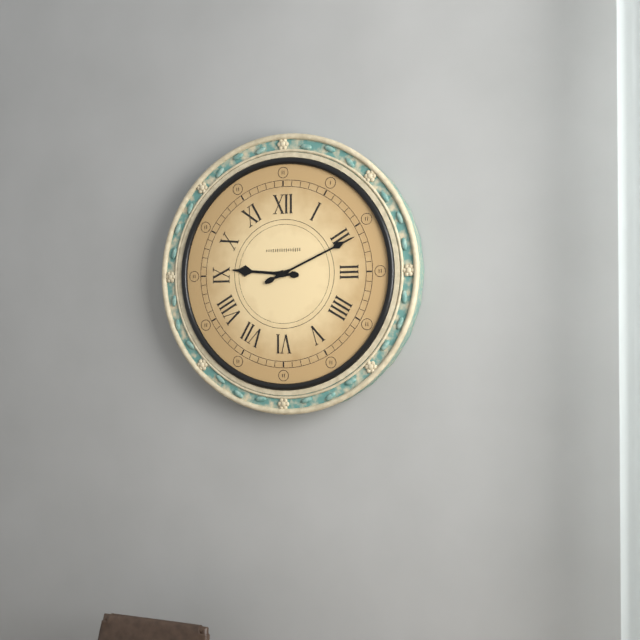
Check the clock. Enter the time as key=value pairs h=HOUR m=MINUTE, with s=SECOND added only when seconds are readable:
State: h=9 m=11
